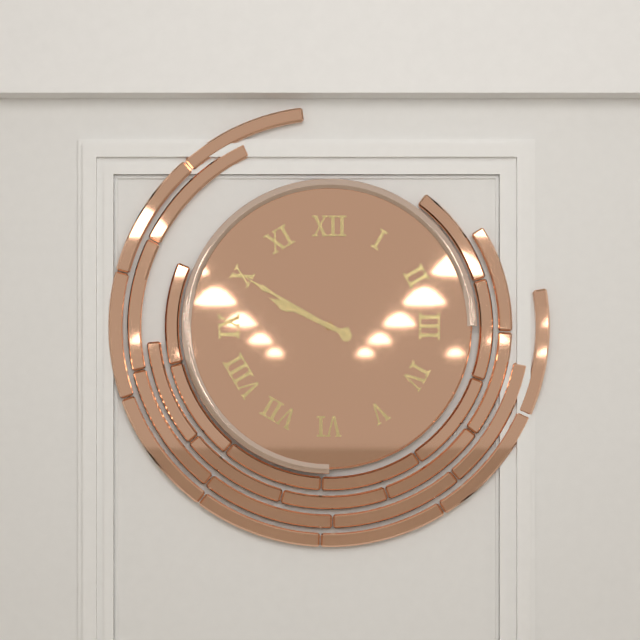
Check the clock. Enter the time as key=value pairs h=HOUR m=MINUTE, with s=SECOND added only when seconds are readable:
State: h=9 m=50
